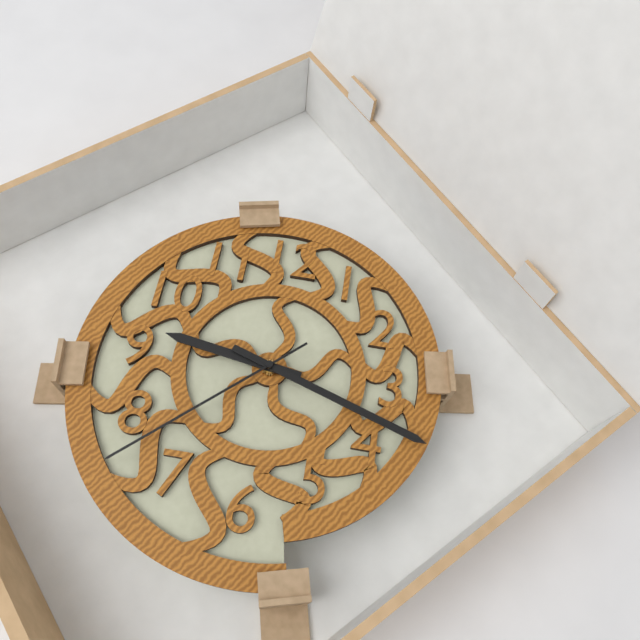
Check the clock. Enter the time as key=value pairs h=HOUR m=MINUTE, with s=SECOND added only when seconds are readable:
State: h=9 m=18 s=38
